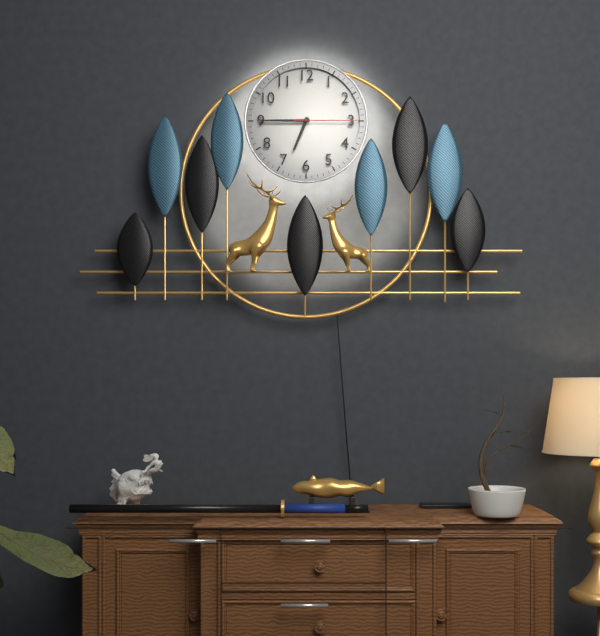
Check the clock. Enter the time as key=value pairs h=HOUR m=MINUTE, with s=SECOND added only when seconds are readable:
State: h=6 m=45 s=15
